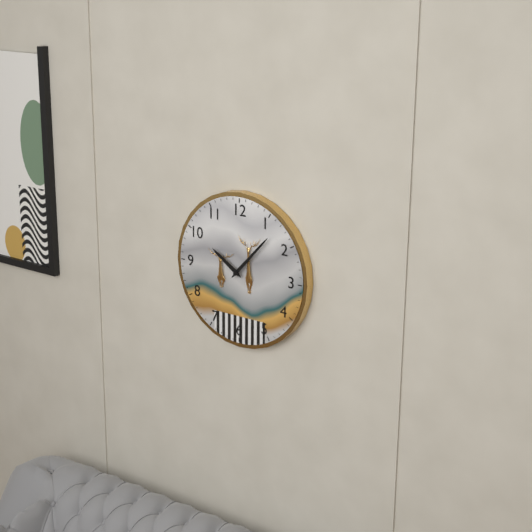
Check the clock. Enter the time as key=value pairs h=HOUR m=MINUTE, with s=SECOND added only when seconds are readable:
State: h=10 m=7
